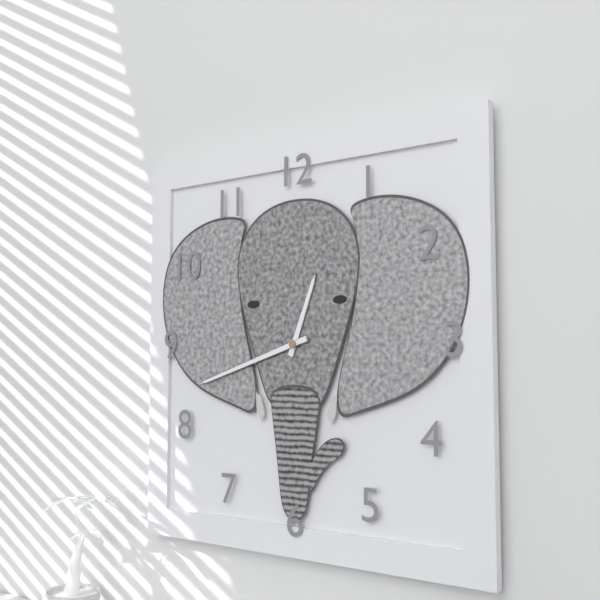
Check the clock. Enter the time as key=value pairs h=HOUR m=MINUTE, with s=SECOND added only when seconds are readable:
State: h=12 m=42
